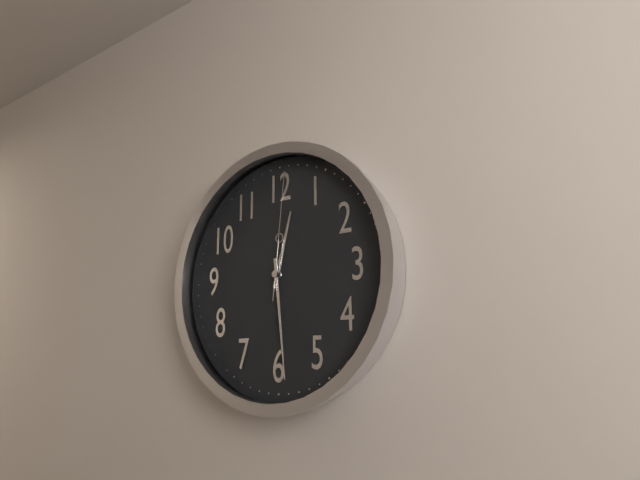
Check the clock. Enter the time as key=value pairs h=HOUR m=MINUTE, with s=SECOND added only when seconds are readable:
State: h=12 m=29 s=1
